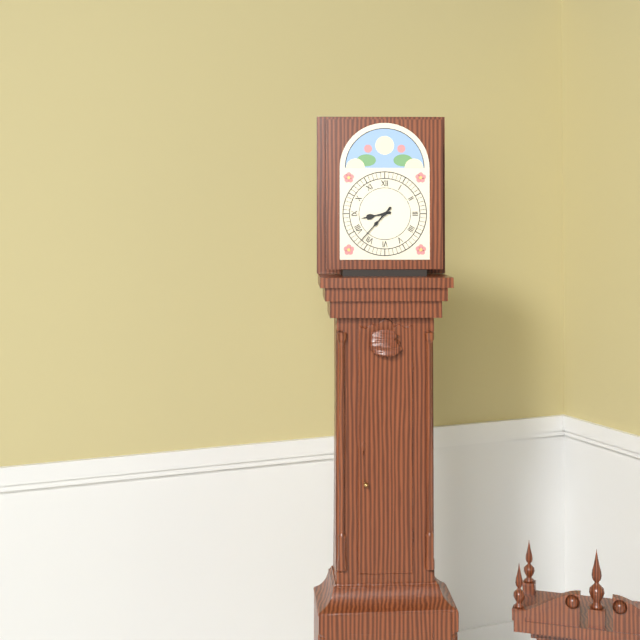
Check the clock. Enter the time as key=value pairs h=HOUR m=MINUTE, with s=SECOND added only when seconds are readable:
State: h=8 m=37
